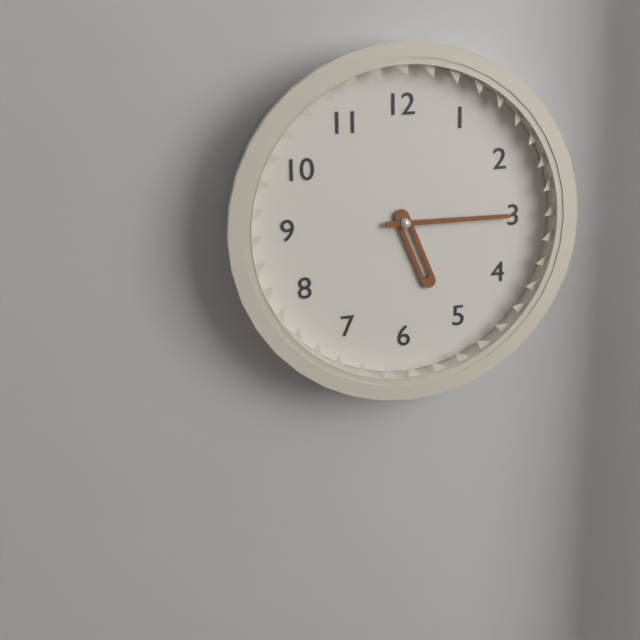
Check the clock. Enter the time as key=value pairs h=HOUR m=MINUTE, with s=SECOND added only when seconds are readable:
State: h=5 m=15
